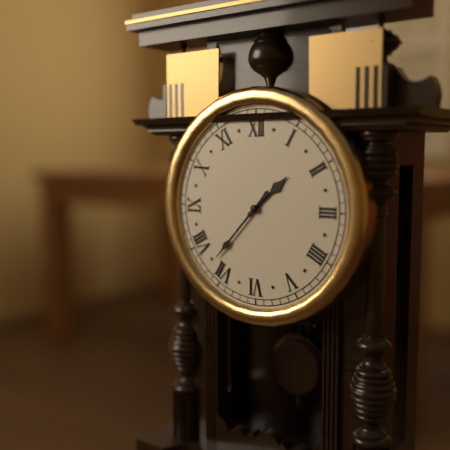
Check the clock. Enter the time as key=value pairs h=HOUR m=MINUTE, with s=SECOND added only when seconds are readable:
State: h=1 m=37
